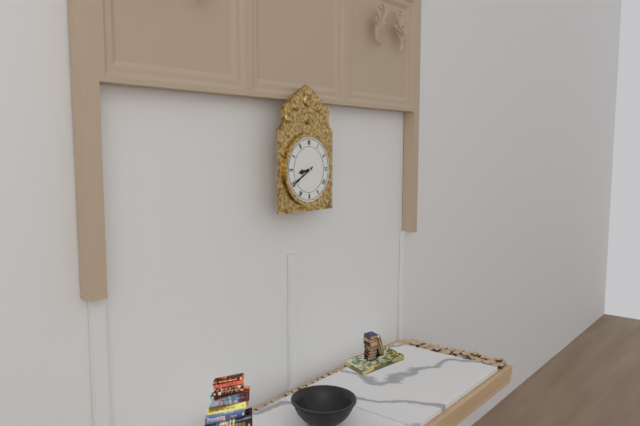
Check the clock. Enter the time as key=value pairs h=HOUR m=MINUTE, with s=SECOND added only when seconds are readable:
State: h=8 m=40
